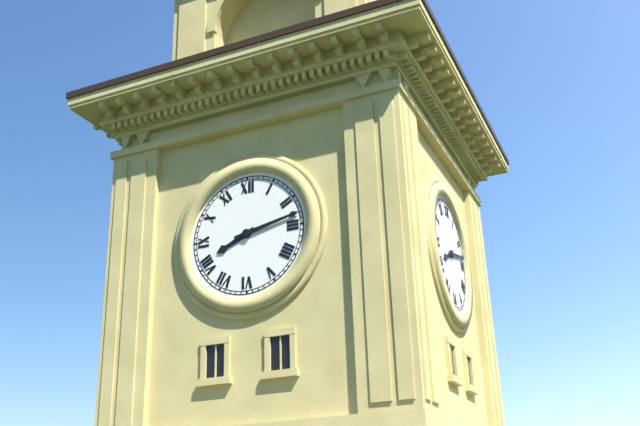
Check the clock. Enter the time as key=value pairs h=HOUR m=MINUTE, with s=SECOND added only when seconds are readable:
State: h=8 m=13
